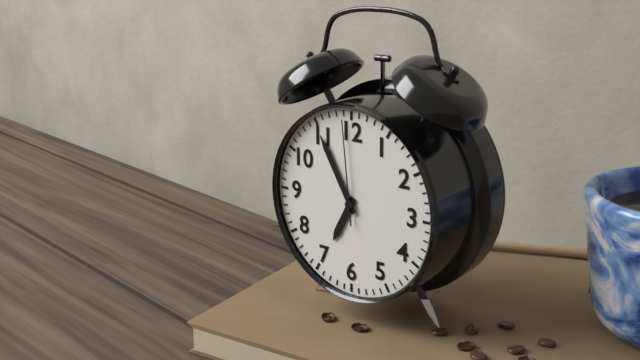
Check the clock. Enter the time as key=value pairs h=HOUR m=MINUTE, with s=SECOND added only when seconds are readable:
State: h=6 m=55 s=59
